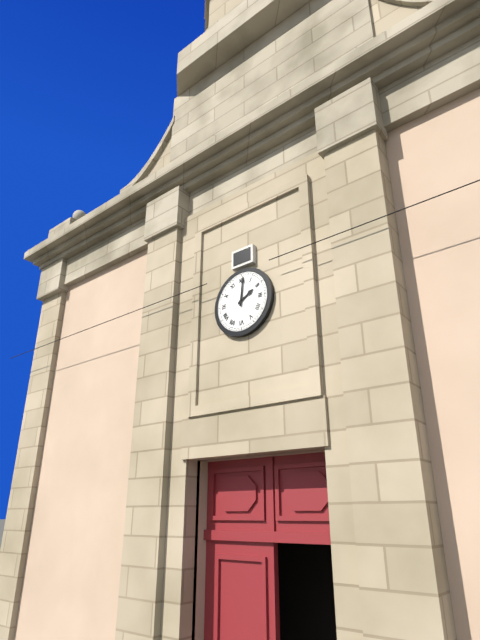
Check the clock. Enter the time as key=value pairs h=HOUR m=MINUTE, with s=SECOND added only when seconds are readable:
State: h=2 m=1
